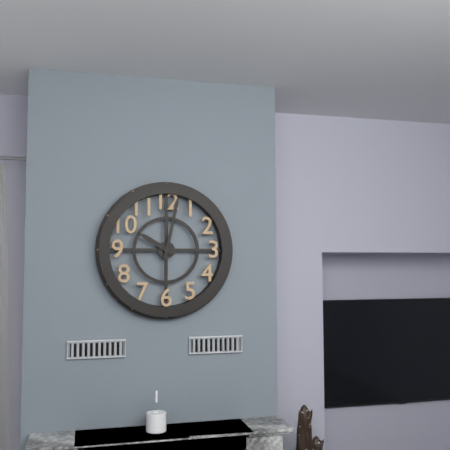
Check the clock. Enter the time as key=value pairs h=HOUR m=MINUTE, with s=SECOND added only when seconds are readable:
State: h=10 m=2
